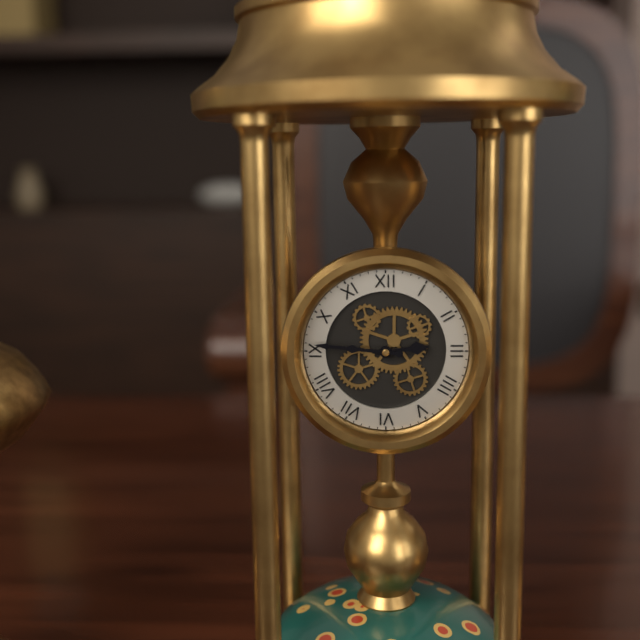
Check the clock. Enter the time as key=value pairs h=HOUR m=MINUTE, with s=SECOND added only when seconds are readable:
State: h=2 m=46
